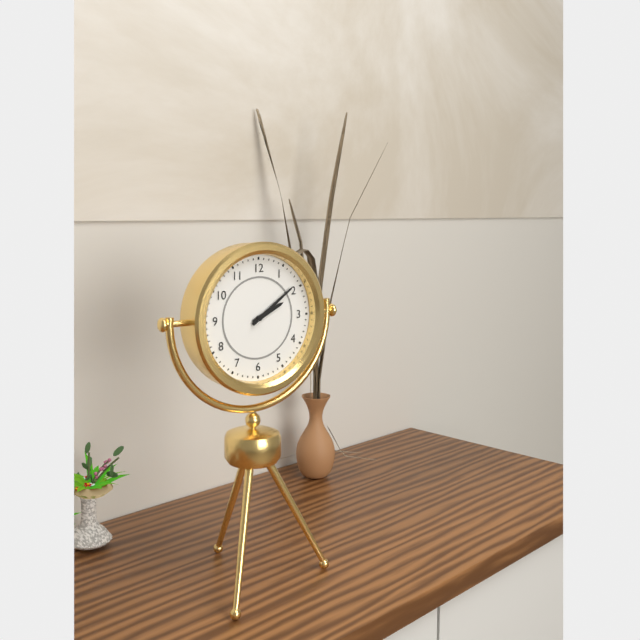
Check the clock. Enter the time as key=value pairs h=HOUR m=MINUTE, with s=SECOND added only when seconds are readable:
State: h=2 m=9
